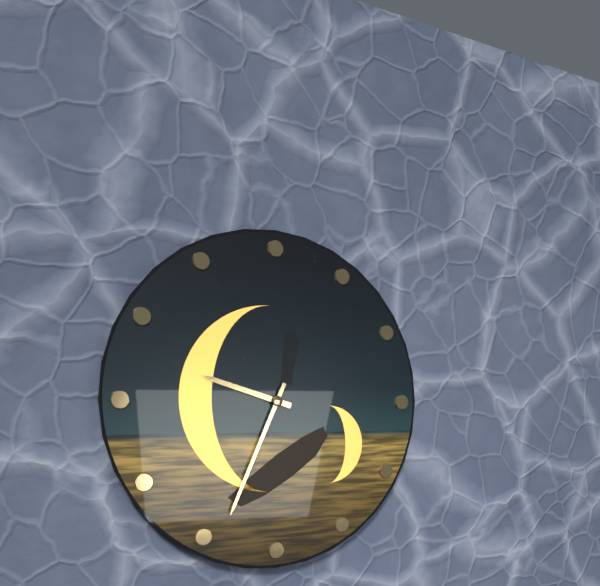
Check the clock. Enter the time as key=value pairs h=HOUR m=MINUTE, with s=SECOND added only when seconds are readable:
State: h=9 m=34
